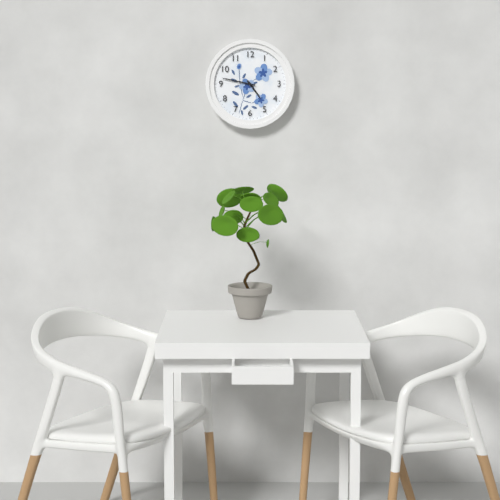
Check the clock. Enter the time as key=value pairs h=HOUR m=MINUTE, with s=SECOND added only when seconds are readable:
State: h=4 m=47
